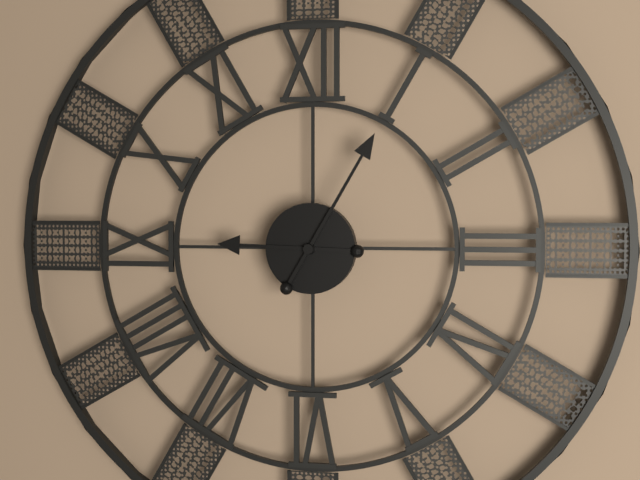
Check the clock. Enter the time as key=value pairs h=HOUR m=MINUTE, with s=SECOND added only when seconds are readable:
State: h=9 m=5
